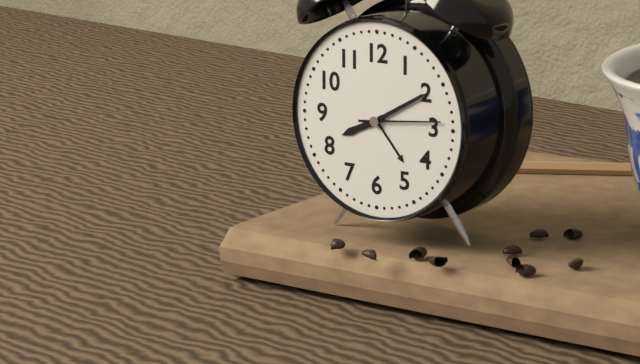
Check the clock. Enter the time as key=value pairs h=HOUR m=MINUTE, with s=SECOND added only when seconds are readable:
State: h=8 m=10 s=14
